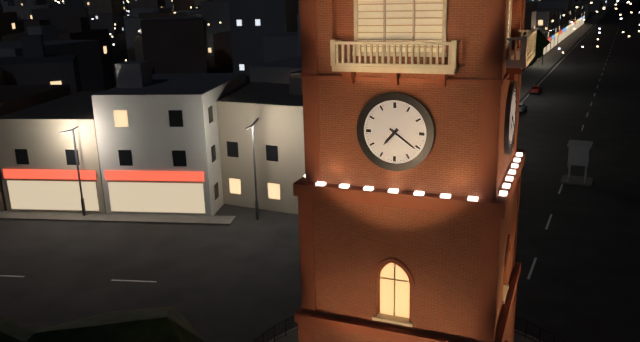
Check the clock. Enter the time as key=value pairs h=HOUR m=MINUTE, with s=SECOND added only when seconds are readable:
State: h=7 m=21
